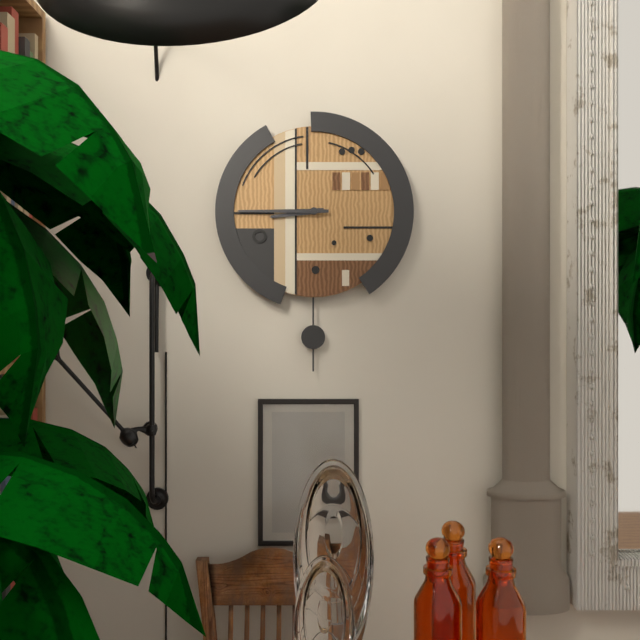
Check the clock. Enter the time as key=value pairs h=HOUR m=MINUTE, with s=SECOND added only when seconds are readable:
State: h=8 m=45
